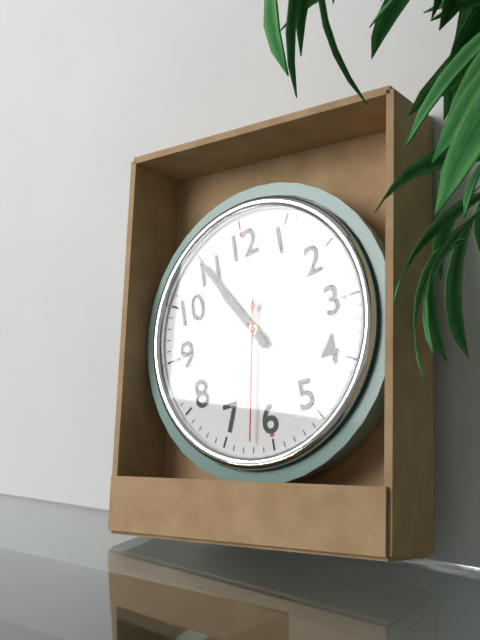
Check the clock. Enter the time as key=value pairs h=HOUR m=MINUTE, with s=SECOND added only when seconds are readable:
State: h=10 m=55 s=32
